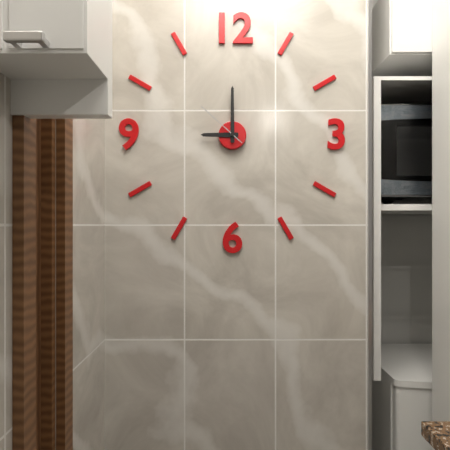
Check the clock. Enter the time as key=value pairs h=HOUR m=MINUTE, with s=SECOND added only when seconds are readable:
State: h=9 m=0 s=52
